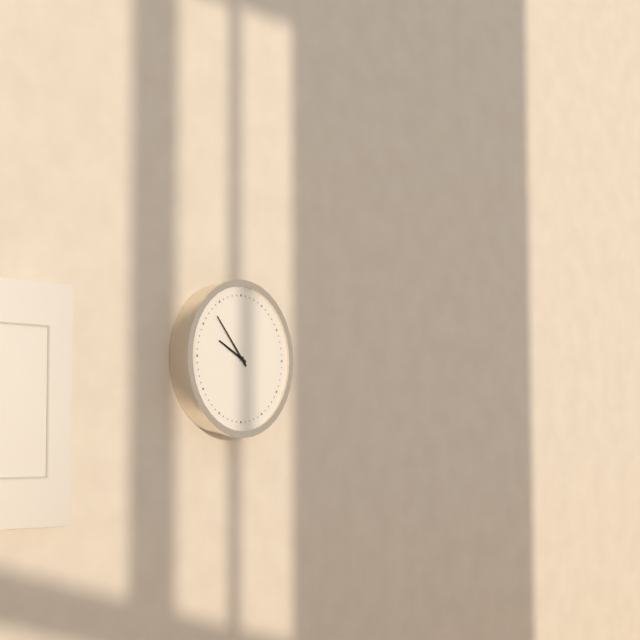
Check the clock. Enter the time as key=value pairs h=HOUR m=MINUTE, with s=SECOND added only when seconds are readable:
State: h=9 m=53
